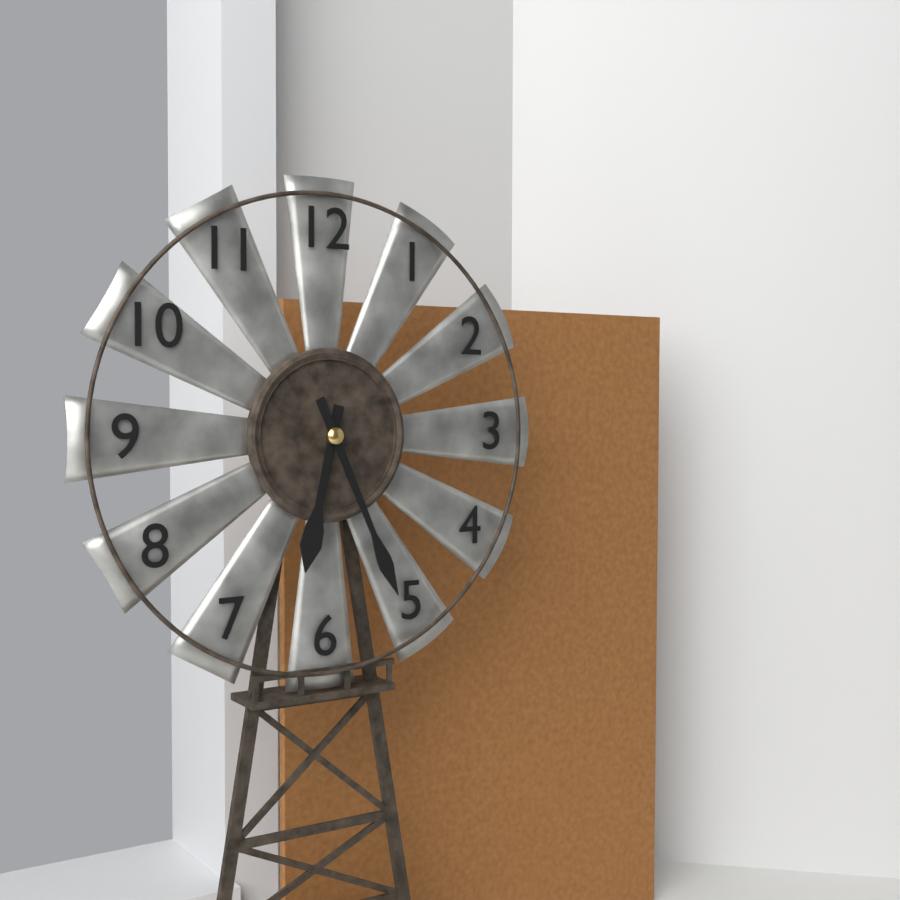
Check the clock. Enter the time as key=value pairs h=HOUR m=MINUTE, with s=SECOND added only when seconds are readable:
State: h=6 m=26
